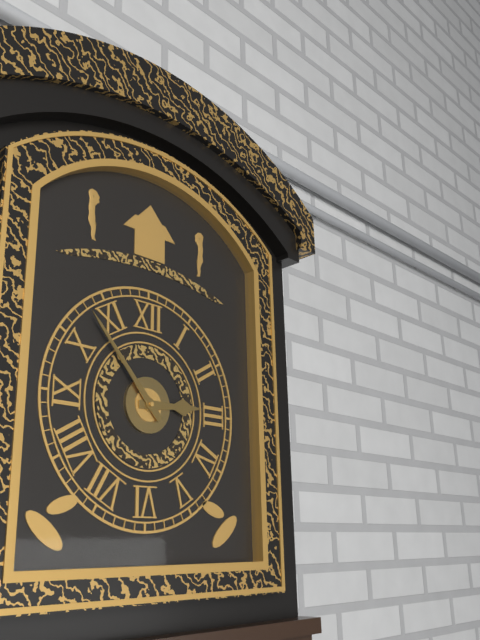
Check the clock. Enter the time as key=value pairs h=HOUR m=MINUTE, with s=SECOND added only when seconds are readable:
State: h=2 m=53
